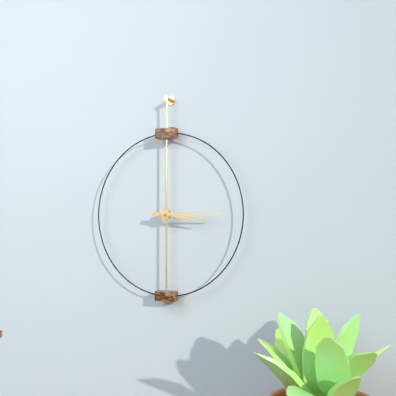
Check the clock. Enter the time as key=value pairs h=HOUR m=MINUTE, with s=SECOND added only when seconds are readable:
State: h=3 m=15
